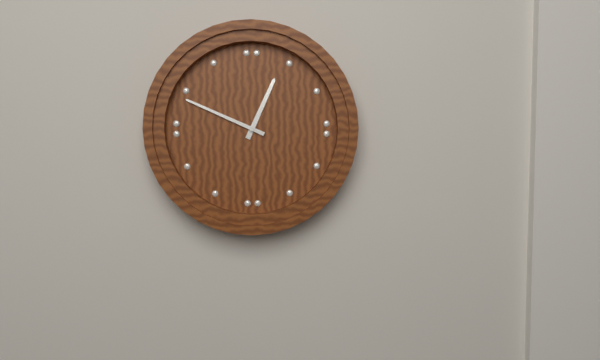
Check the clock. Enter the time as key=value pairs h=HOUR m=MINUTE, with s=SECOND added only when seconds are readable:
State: h=12 m=49
